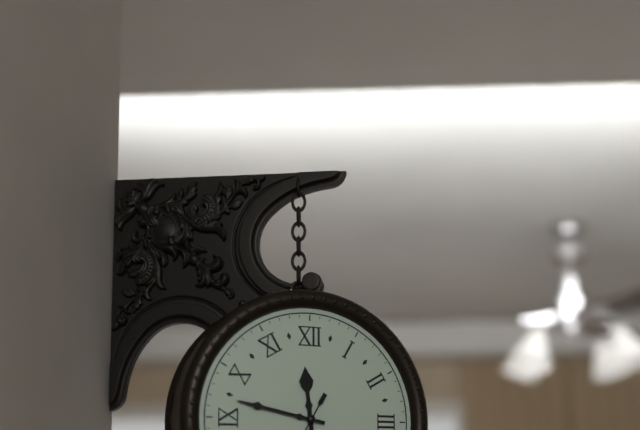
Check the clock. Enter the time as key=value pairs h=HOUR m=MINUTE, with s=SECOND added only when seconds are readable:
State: h=11 m=47
